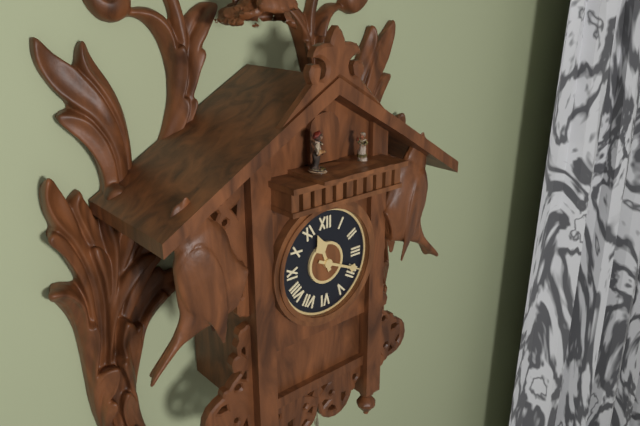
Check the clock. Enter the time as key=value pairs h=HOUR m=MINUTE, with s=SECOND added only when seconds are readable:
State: h=11 m=19
